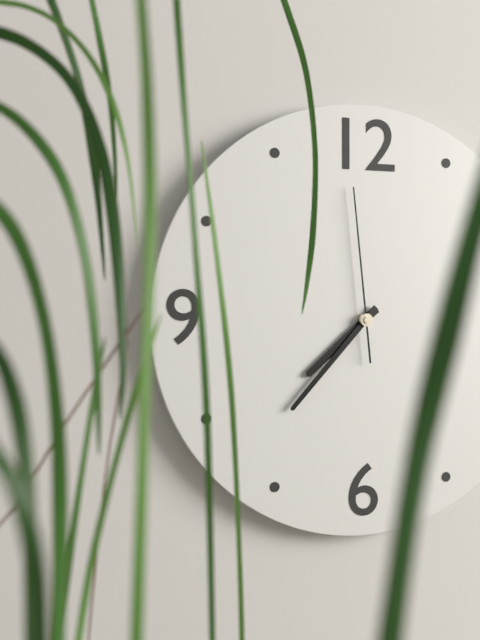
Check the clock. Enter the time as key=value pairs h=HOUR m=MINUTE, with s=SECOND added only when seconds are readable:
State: h=7 m=37 s=59
